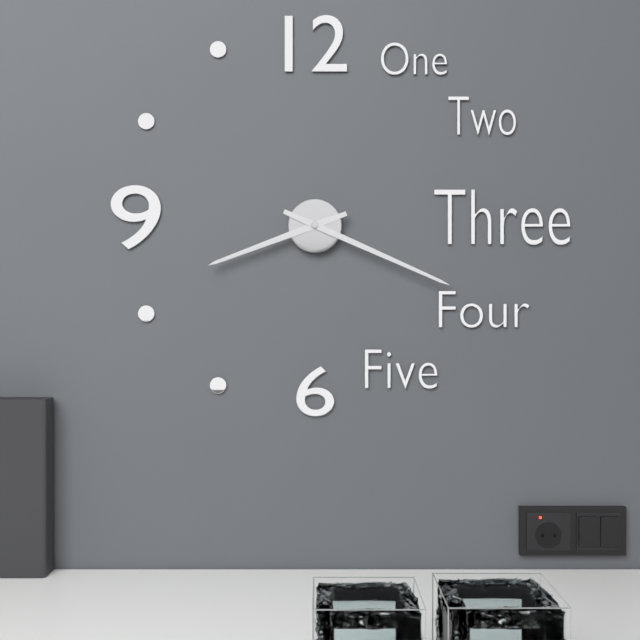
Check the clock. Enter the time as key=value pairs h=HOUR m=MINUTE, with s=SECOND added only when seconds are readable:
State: h=8 m=19
